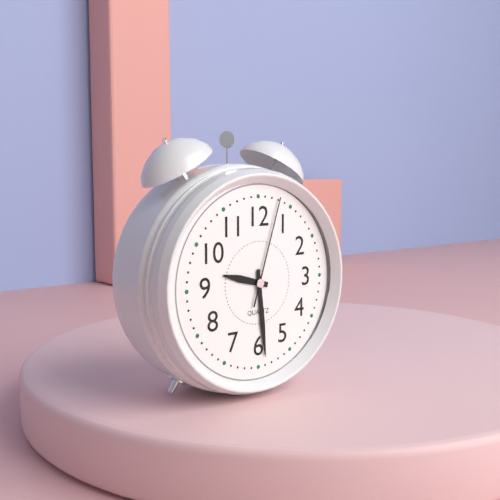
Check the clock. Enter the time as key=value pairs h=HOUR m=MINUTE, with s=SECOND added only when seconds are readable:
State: h=9 m=29 s=3
